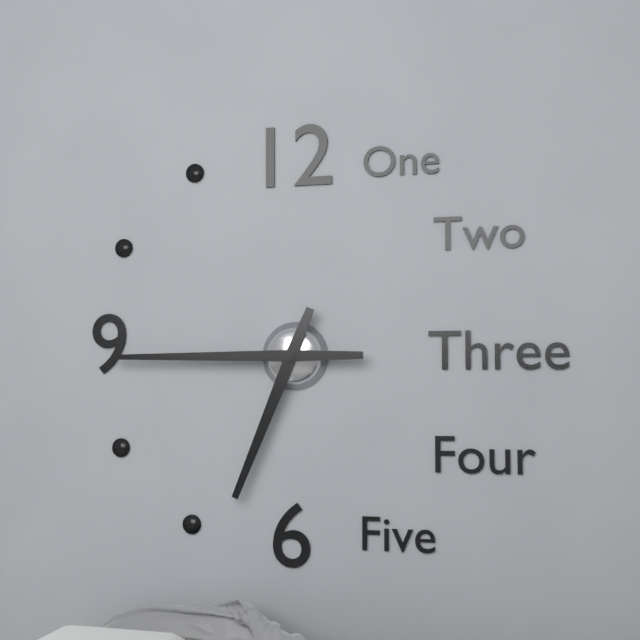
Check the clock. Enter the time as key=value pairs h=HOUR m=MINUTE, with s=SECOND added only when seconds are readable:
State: h=6 m=45
